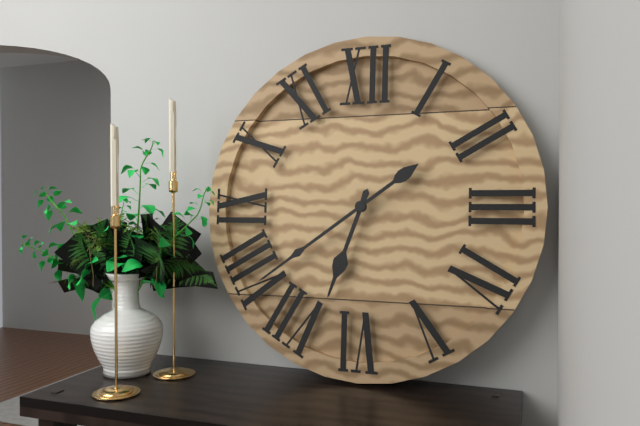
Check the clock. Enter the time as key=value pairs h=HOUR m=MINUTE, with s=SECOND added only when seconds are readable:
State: h=6 m=39
